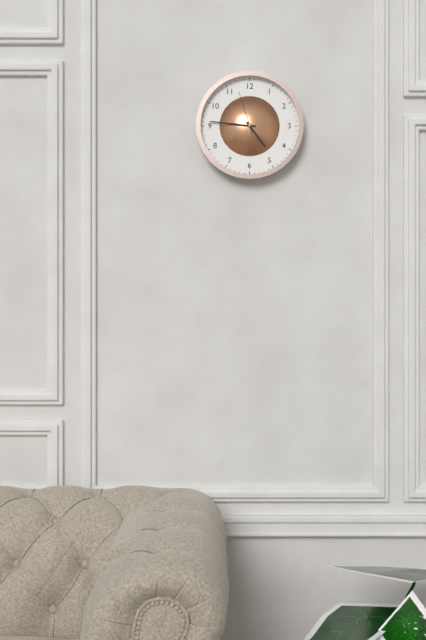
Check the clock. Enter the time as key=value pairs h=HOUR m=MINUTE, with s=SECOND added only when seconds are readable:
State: h=4 m=46
